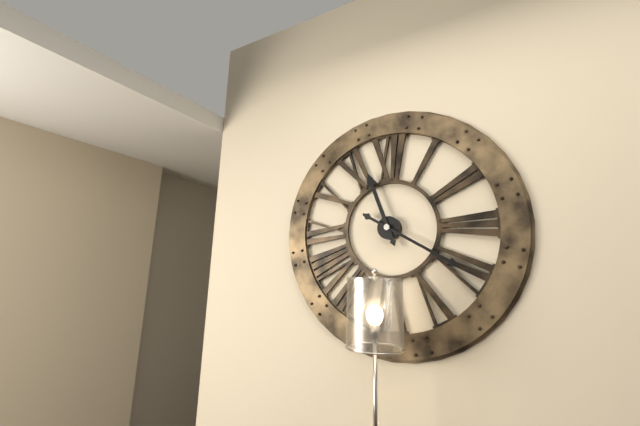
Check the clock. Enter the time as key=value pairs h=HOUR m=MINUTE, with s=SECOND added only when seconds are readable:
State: h=11 m=20
